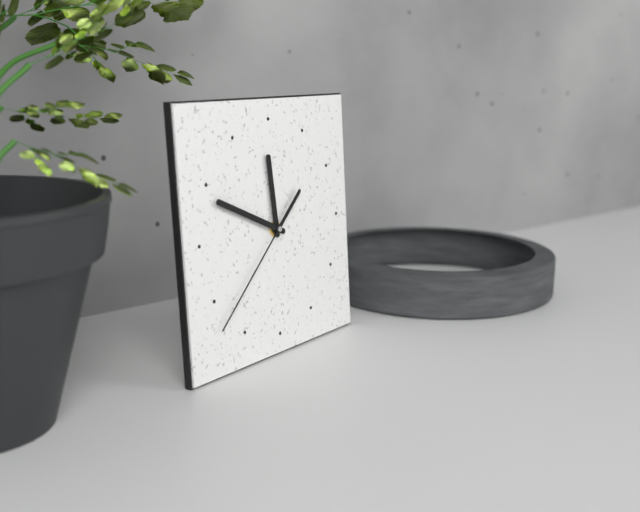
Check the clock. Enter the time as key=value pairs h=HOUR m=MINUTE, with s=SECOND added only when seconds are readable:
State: h=11 m=49 s=38
